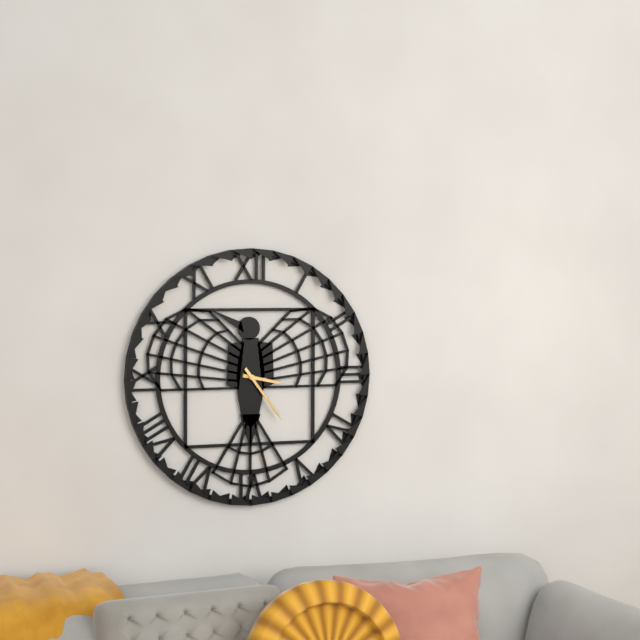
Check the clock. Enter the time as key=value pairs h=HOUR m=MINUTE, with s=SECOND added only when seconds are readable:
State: h=3 m=24
